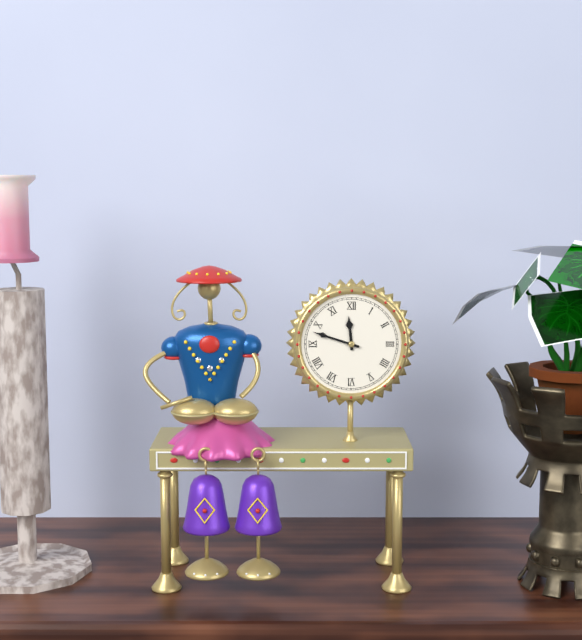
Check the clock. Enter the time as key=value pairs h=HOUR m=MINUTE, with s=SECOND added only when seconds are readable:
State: h=11 m=48
